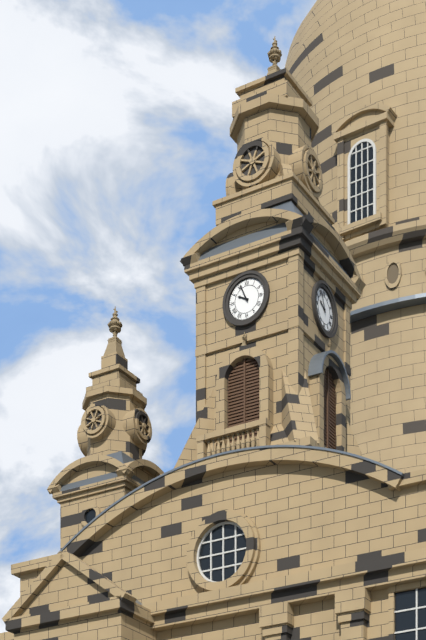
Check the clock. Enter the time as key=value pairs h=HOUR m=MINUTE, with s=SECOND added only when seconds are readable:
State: h=9 m=56
